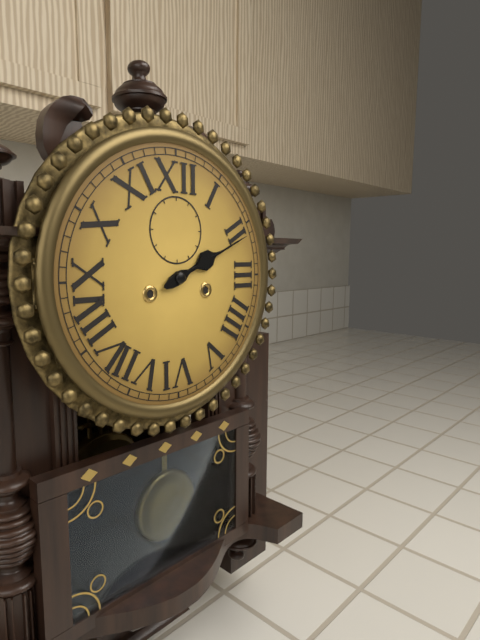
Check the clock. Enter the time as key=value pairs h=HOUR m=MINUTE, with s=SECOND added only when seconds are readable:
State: h=2 m=11
